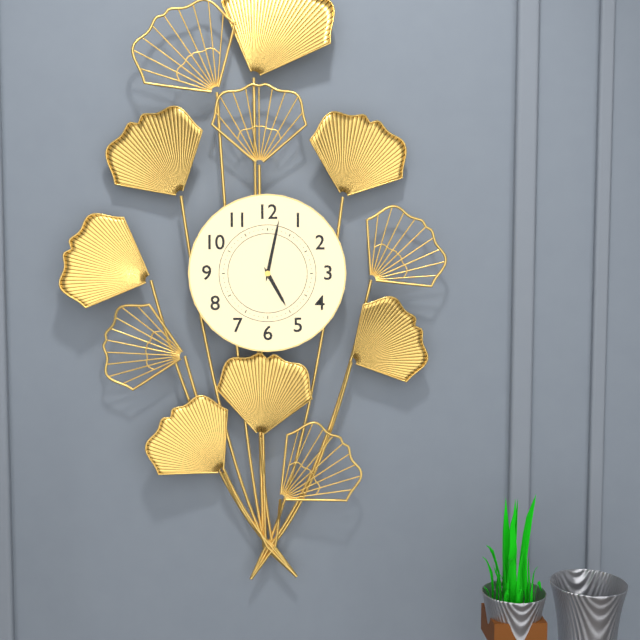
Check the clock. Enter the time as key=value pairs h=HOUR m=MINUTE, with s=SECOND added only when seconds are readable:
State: h=5 m=2
